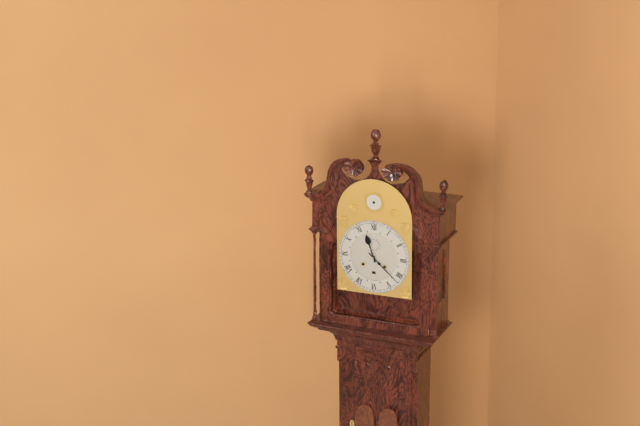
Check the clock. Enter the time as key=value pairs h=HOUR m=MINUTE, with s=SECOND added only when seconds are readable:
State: h=11 m=22
